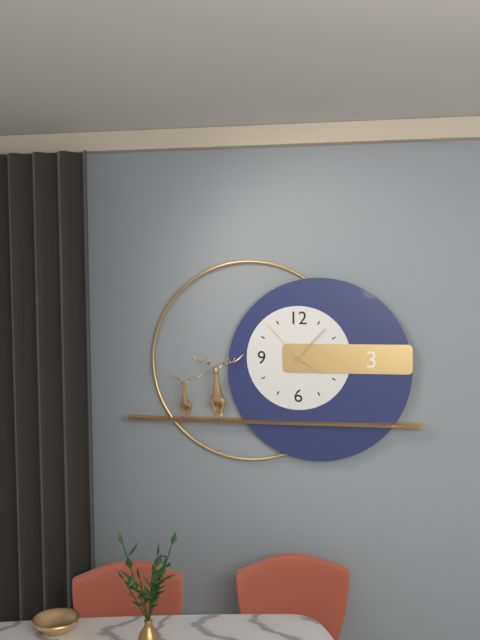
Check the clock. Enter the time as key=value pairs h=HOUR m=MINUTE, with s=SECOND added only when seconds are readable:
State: h=4 m=7 s=53
